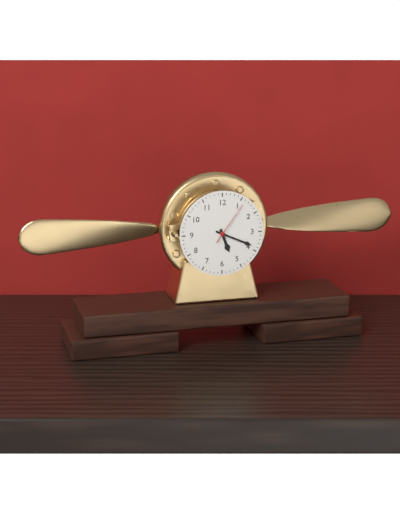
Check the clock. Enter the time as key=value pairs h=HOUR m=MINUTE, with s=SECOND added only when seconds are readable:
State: h=5 m=19
